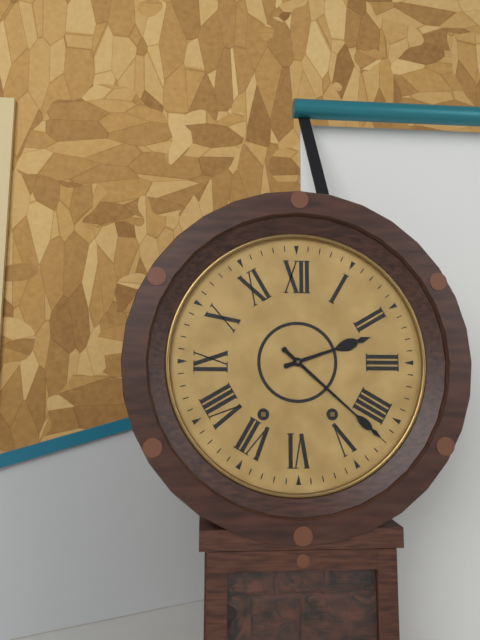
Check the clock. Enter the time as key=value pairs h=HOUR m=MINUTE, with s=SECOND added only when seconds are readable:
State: h=2 m=22
